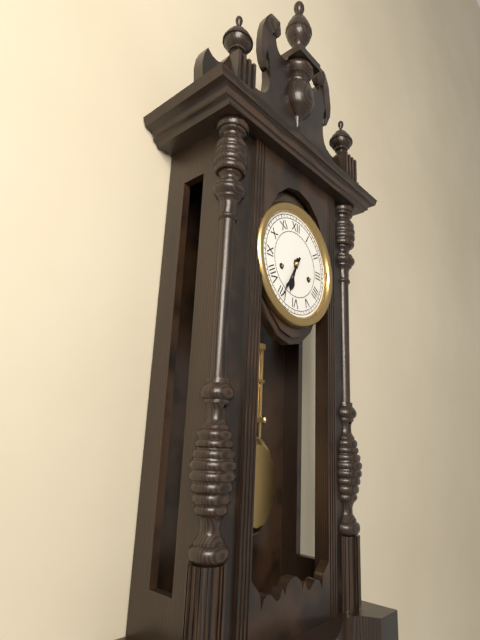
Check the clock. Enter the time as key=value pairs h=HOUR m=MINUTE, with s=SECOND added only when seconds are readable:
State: h=6 m=35
